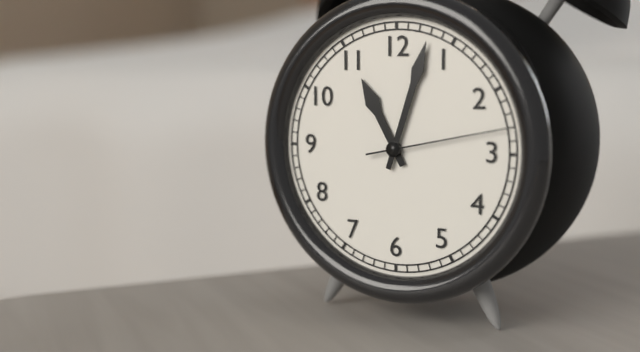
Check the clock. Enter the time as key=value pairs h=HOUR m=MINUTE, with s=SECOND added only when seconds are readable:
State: h=11 m=3 s=13
